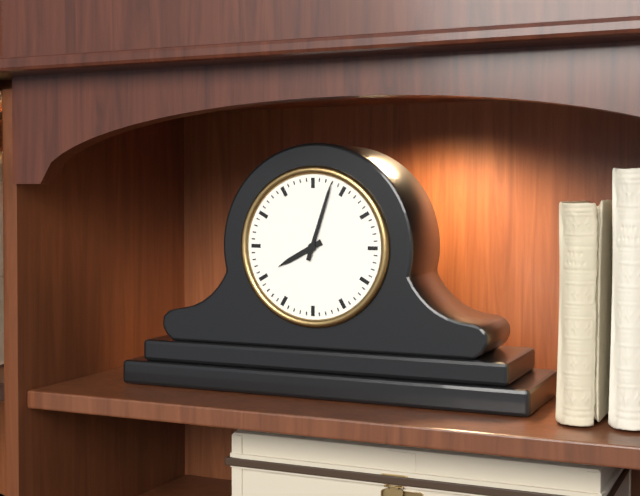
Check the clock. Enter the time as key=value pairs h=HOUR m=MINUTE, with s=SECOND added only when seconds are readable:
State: h=8 m=3
